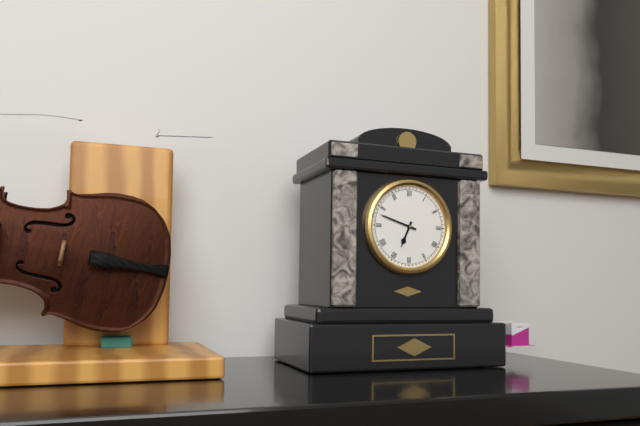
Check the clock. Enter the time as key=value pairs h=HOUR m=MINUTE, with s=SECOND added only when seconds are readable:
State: h=6 m=48
